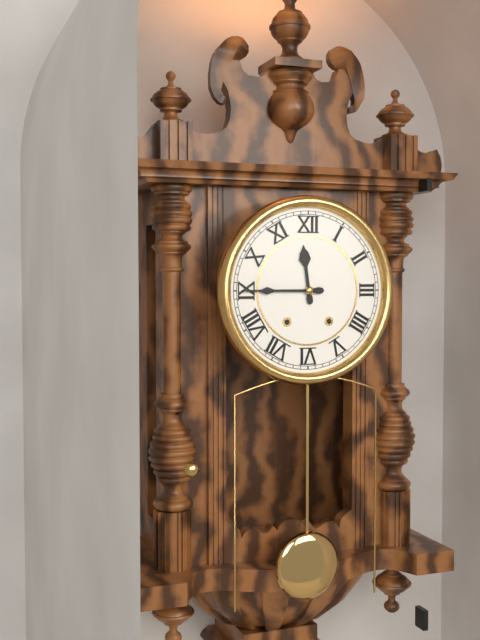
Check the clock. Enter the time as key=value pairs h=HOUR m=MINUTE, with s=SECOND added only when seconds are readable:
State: h=11 m=45
